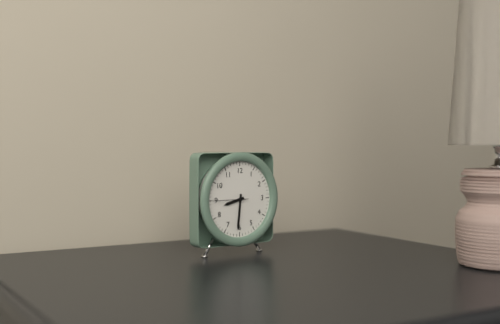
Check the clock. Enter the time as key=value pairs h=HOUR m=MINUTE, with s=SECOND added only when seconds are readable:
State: h=8 m=31
